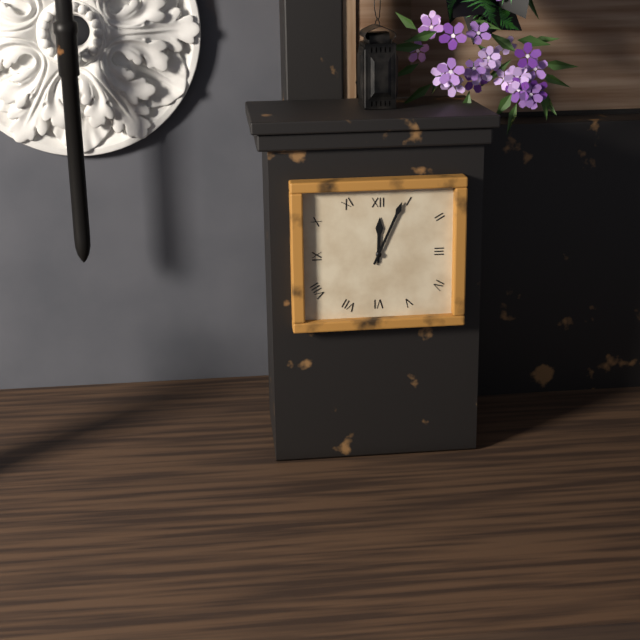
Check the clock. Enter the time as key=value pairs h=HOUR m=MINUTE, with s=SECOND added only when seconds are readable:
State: h=12 m=4
